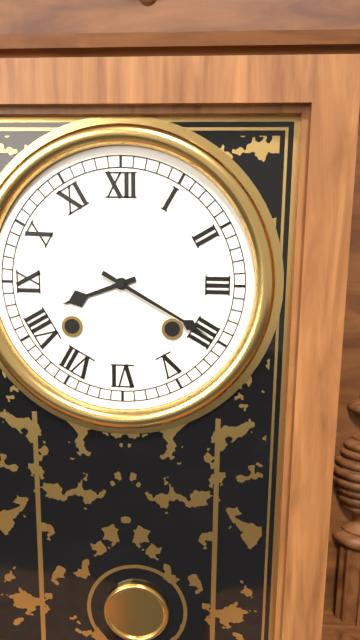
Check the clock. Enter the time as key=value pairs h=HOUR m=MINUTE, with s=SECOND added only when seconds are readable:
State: h=8 m=20
